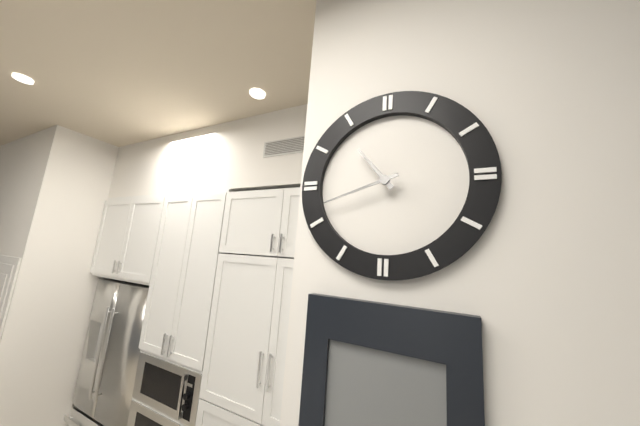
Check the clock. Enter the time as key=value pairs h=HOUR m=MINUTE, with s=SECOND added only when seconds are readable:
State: h=10 m=42
